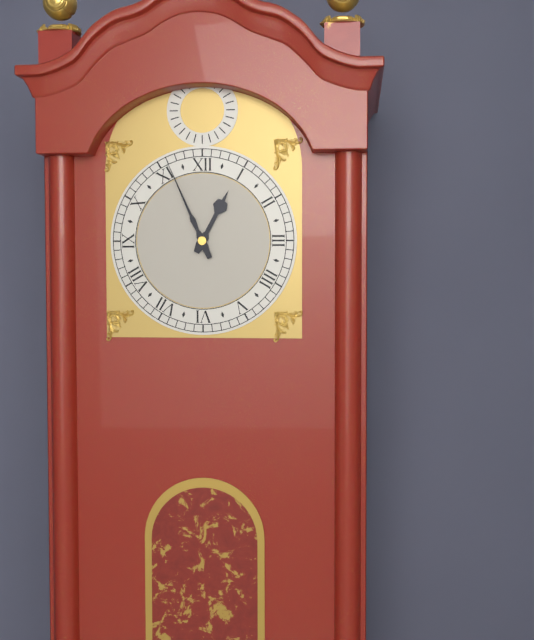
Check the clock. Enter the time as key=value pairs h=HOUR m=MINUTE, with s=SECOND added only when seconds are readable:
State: h=12 m=56
